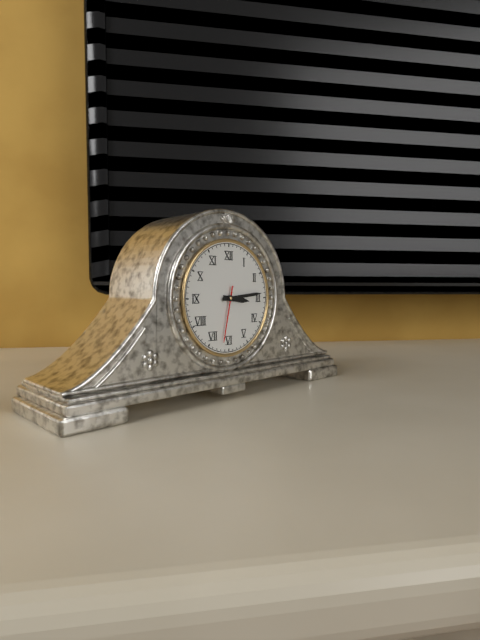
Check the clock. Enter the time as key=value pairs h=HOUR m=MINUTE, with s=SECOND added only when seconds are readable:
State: h=3 m=14 s=32
